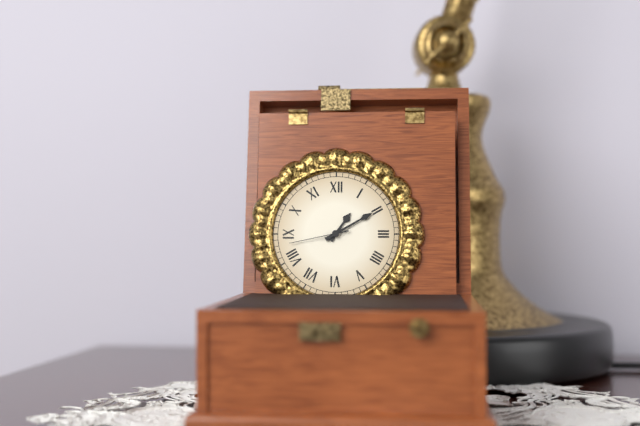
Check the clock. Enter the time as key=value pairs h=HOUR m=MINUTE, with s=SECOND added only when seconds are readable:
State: h=1 m=10 s=43
